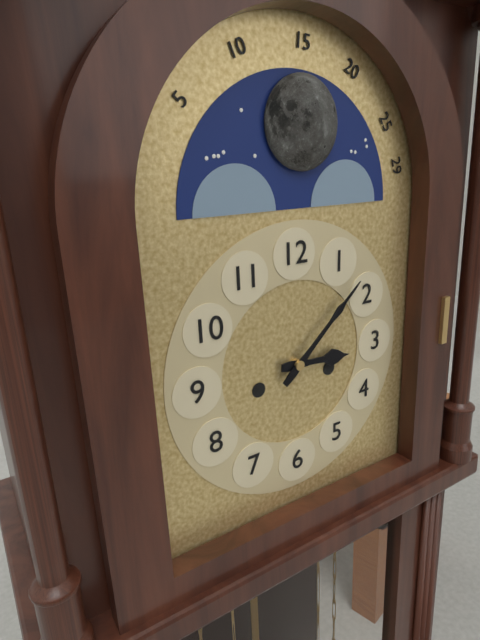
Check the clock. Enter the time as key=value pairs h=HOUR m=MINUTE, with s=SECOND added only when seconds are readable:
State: h=3 m=8
